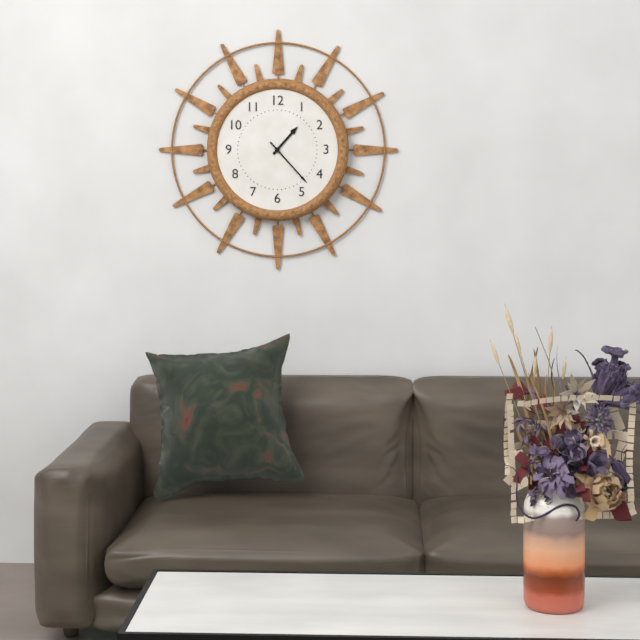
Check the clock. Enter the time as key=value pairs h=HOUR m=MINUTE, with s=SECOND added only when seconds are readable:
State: h=1 m=23
